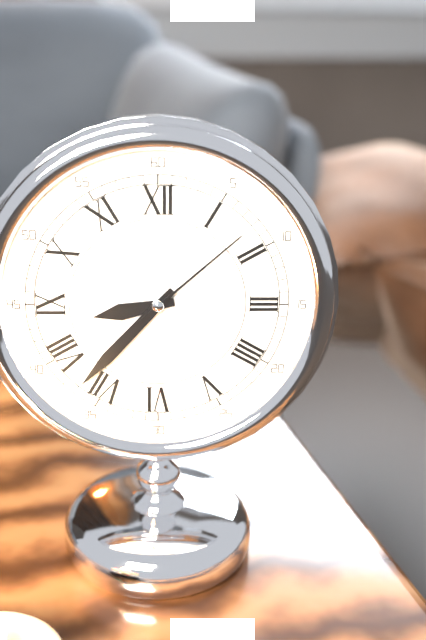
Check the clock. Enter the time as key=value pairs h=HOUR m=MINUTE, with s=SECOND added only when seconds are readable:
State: h=8 m=37 s=8
